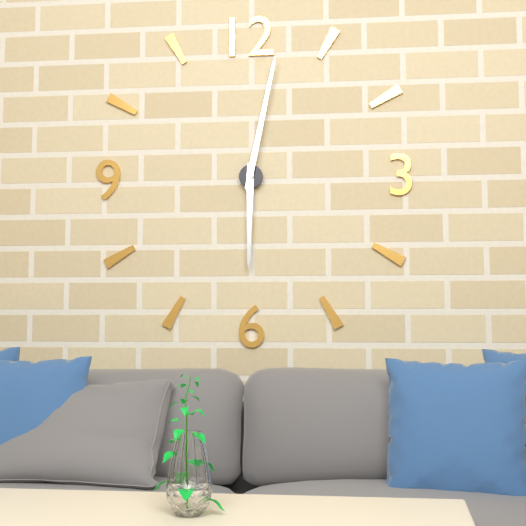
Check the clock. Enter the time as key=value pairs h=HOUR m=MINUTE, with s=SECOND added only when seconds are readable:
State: h=6 m=2
